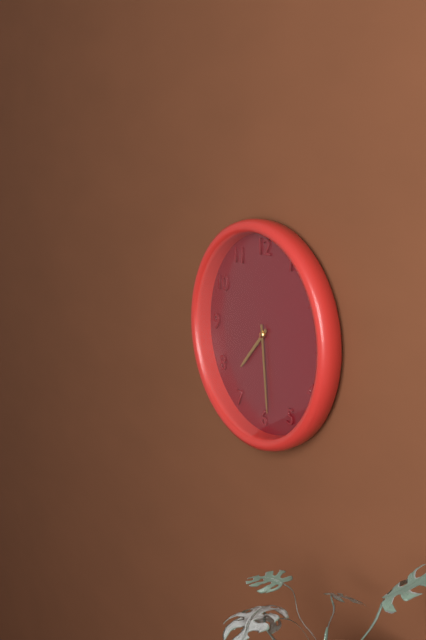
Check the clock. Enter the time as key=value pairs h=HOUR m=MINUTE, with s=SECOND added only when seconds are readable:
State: h=7 m=29
